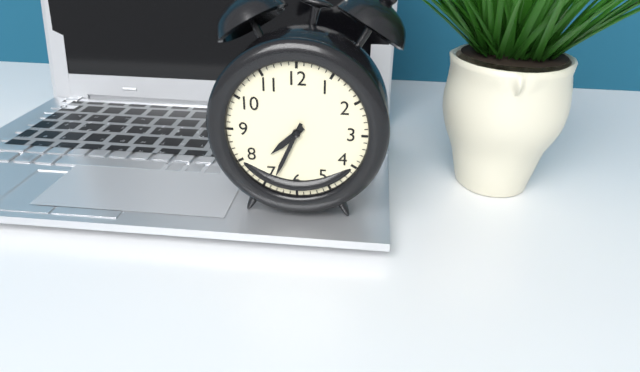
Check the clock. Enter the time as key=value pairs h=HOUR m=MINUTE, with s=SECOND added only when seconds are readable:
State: h=7 m=34
